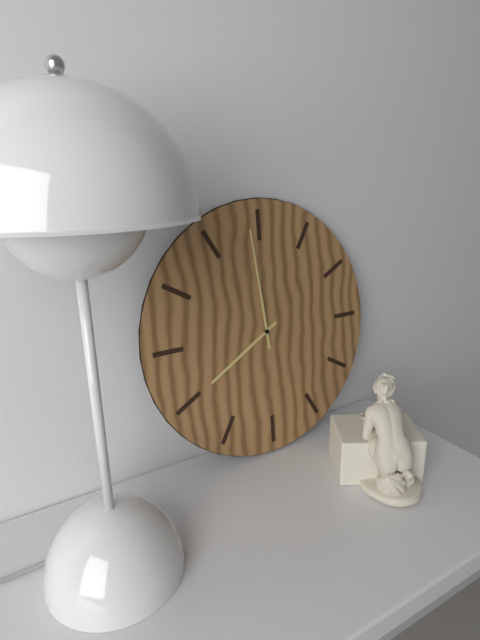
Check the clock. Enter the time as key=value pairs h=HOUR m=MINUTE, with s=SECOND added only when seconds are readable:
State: h=7 m=59
